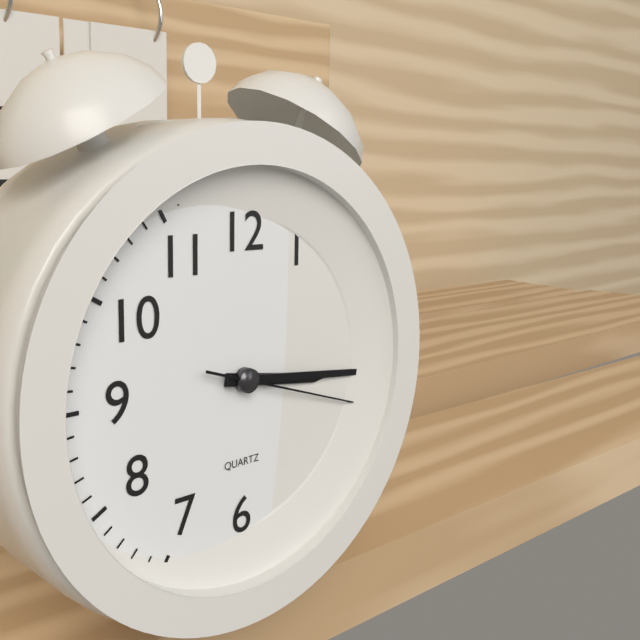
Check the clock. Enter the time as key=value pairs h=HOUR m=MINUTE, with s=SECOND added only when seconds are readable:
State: h=3 m=16 s=18
